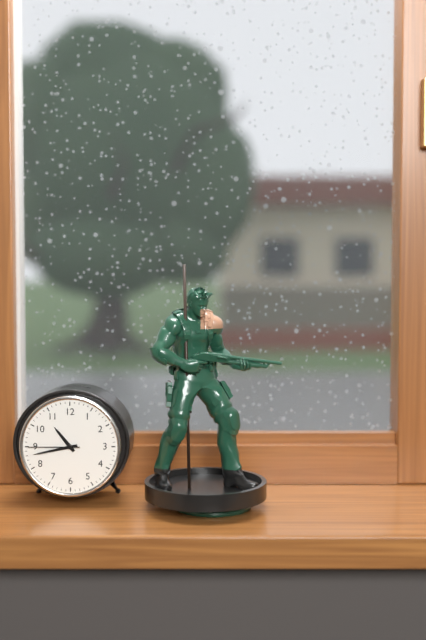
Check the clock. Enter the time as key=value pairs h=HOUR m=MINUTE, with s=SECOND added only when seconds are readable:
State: h=10 m=43 s=45
